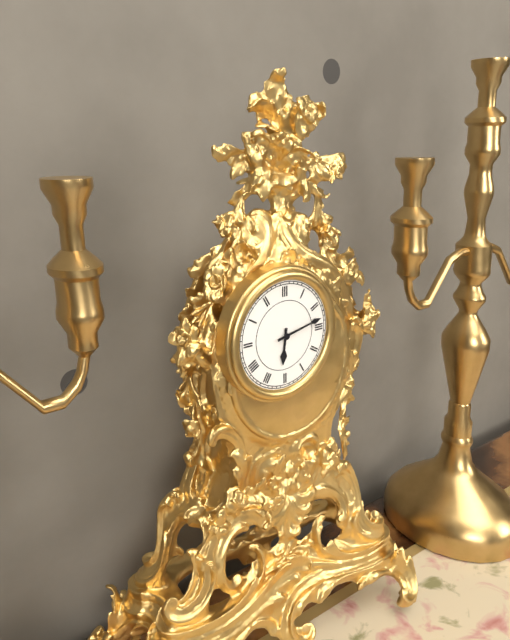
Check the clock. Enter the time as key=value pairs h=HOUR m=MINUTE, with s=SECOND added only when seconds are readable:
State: h=6 m=13
